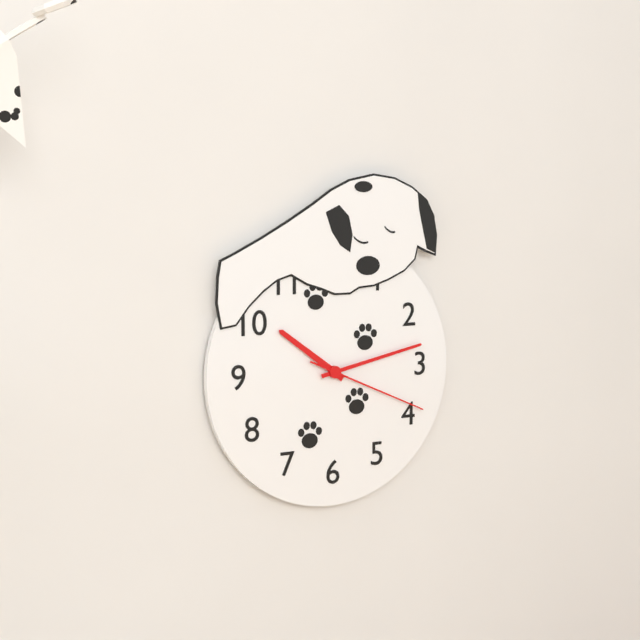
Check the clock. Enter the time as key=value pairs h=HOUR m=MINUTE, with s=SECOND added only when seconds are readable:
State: h=10 m=13 s=19
